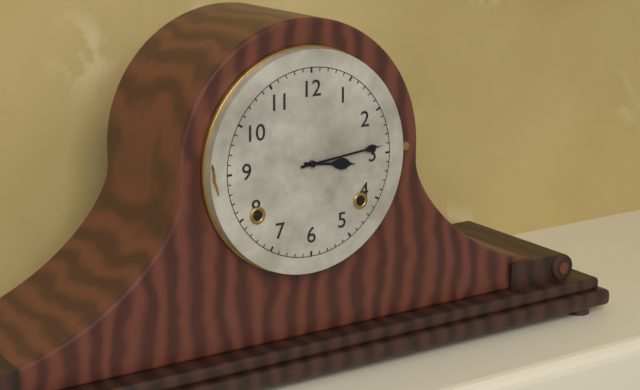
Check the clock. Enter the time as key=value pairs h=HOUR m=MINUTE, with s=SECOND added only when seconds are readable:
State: h=3 m=14
